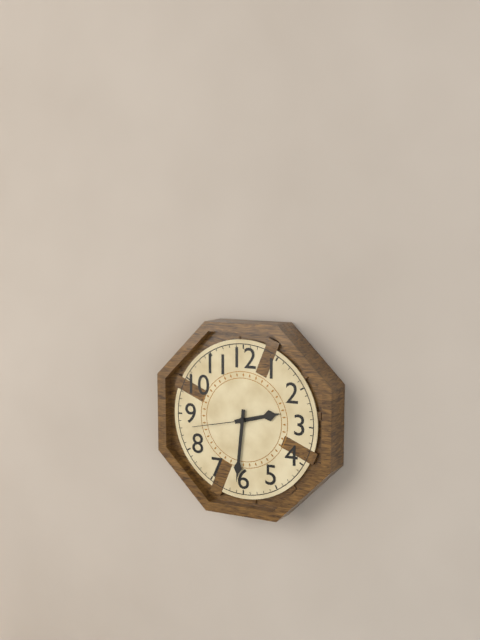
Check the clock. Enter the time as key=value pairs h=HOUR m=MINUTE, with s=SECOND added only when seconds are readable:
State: h=2 m=31 s=43
